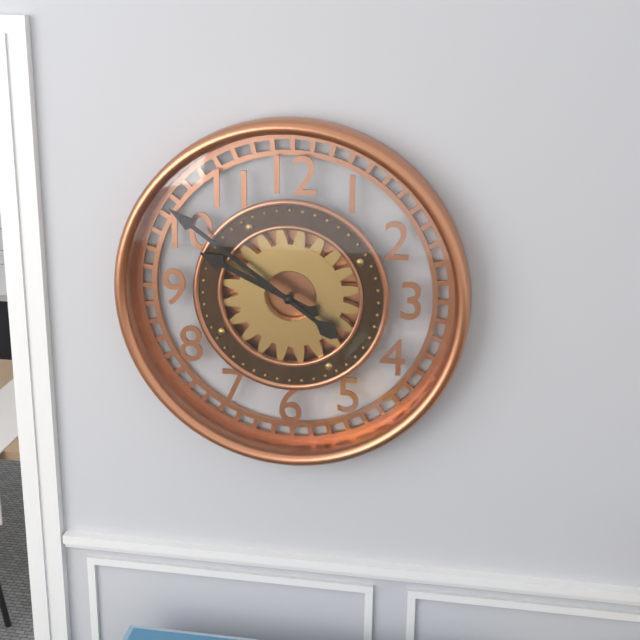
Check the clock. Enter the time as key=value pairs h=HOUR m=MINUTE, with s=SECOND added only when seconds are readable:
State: h=9 m=51
